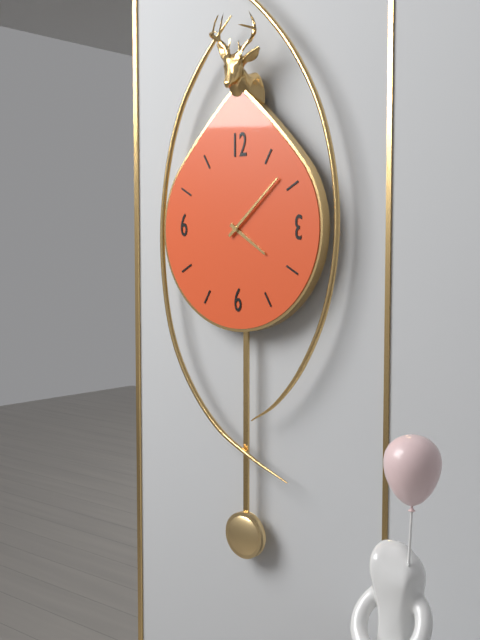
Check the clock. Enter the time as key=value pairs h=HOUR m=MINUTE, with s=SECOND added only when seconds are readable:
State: h=4 m=8
